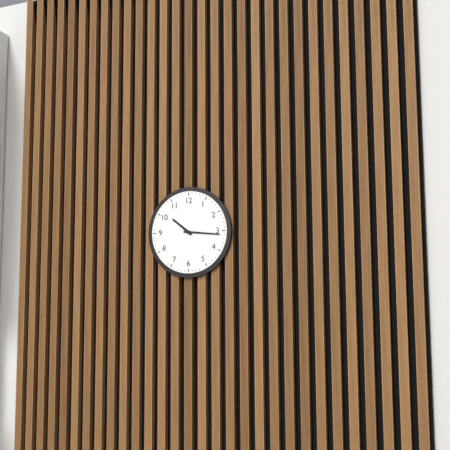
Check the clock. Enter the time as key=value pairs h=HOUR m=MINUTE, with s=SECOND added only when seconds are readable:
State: h=10 m=16
